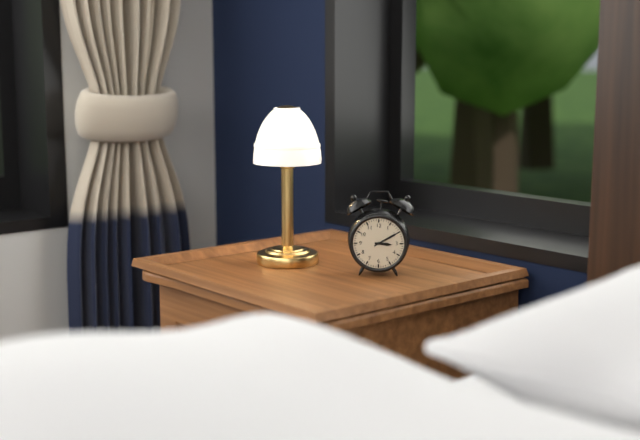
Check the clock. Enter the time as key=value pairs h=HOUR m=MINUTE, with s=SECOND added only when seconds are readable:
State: h=3 m=10
